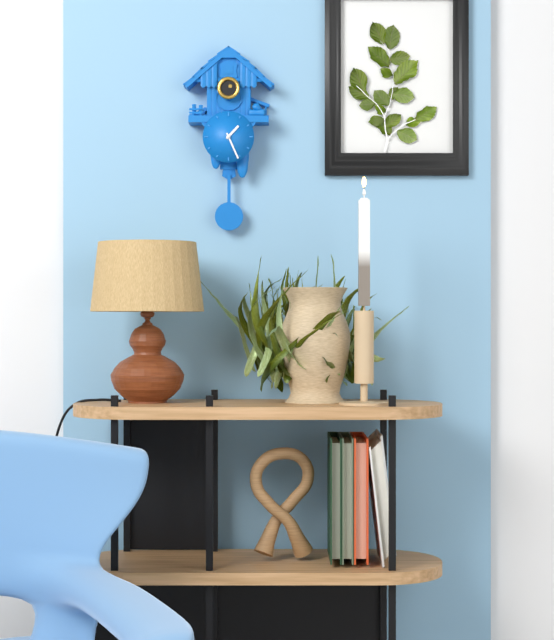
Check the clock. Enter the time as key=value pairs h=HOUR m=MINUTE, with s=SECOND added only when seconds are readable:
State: h=1 m=26
